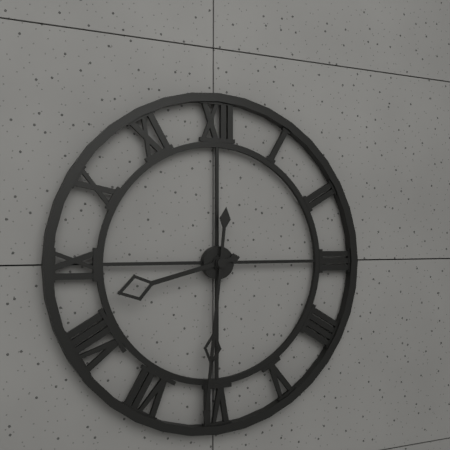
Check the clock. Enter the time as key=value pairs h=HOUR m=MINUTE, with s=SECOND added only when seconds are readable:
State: h=8 m=31
